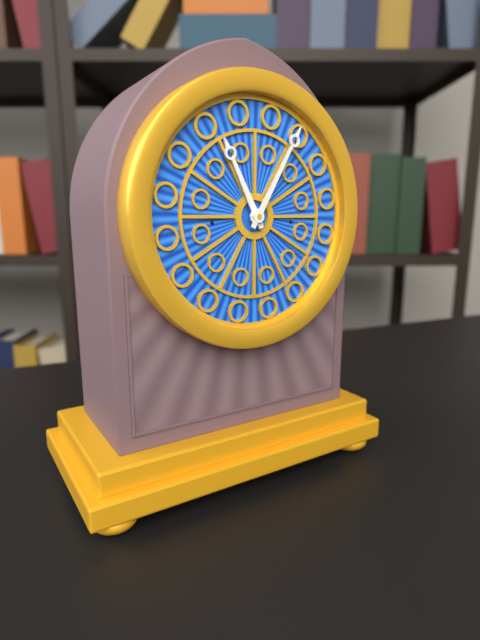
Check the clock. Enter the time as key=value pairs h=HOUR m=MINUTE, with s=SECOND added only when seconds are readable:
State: h=11 m=5
